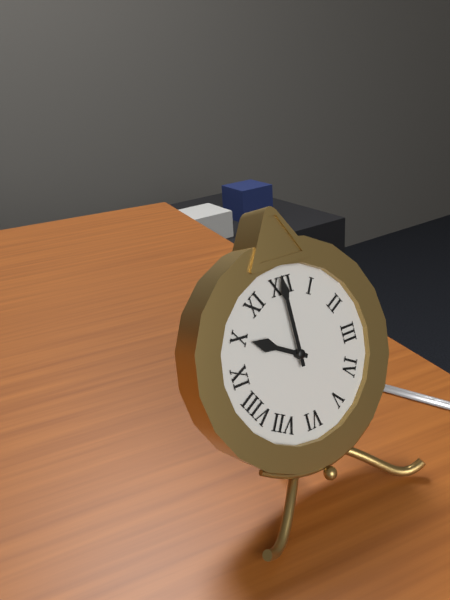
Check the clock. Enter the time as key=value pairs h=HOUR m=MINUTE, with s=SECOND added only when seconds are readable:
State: h=10 m=0
